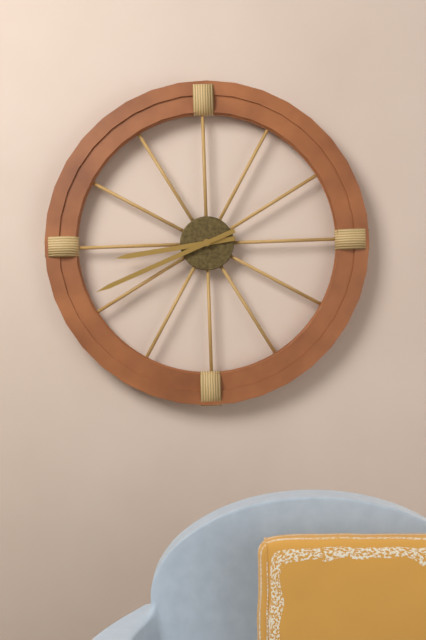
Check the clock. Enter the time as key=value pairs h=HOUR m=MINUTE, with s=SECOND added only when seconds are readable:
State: h=8 m=41
